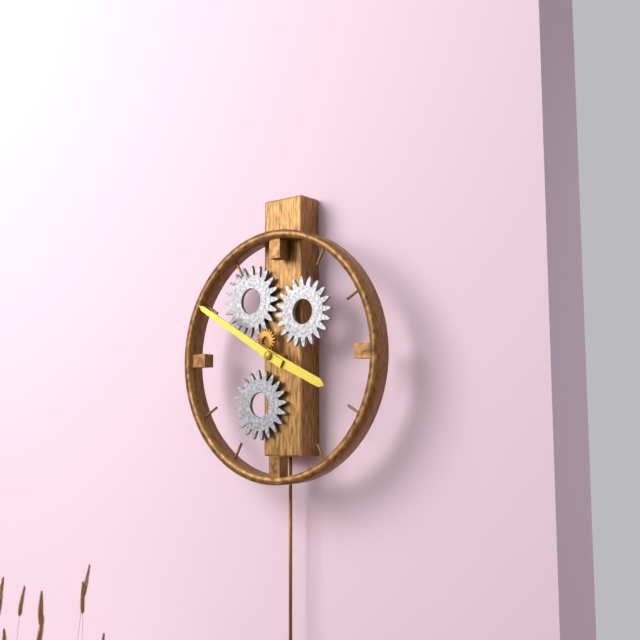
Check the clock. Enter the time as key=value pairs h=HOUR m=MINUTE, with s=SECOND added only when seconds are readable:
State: h=3 m=50
